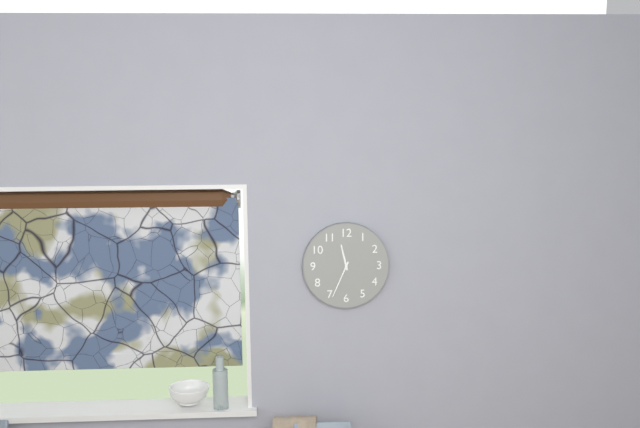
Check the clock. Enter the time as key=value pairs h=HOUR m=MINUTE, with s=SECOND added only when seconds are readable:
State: h=11 m=34
